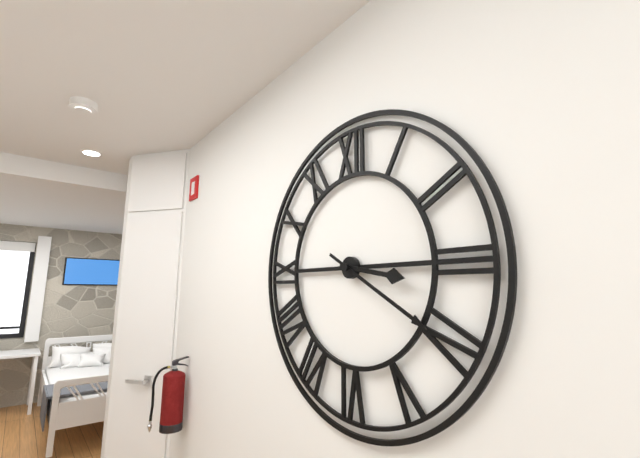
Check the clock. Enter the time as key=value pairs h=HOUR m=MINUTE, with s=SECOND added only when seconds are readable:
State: h=3 m=20
